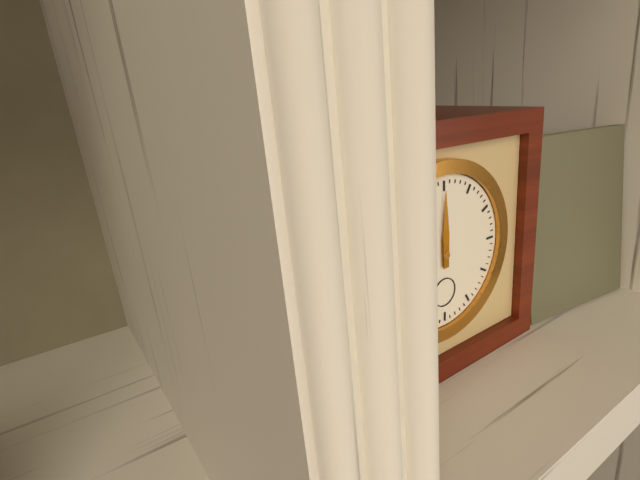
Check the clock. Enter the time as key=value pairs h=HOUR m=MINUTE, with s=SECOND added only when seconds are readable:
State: h=12 m=0
